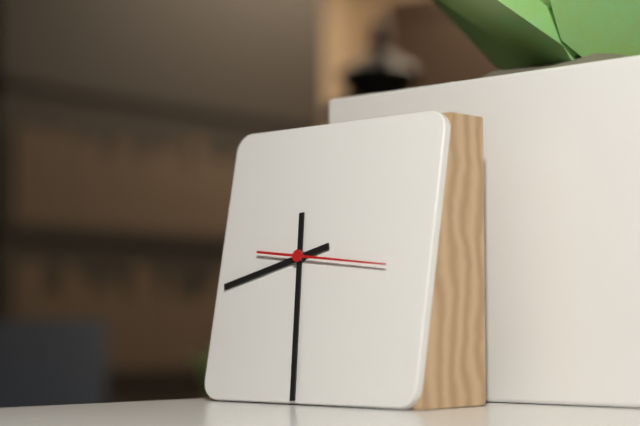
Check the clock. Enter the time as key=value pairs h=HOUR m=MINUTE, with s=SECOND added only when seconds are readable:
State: h=8 m=29 s=16
